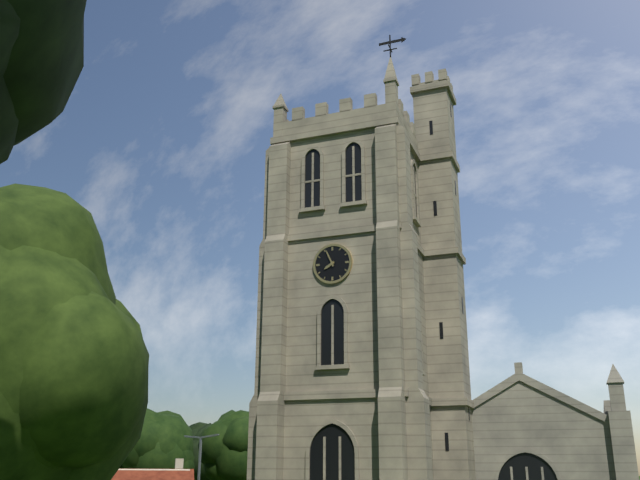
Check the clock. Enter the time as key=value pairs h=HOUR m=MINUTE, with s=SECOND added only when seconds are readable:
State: h=7 m=56
